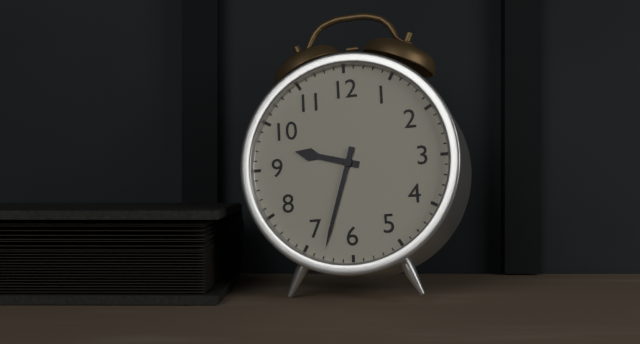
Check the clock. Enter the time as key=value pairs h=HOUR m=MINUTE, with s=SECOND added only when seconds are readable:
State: h=9 m=33
